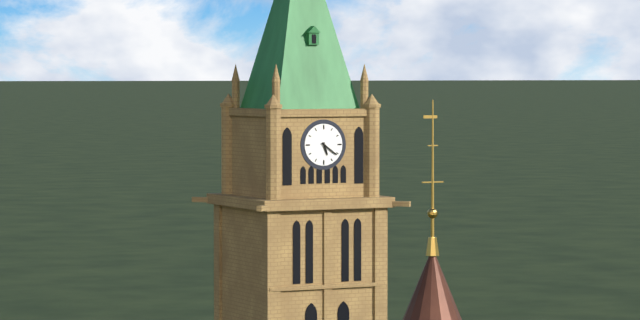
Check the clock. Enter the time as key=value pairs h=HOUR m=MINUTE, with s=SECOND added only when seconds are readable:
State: h=5 m=21
